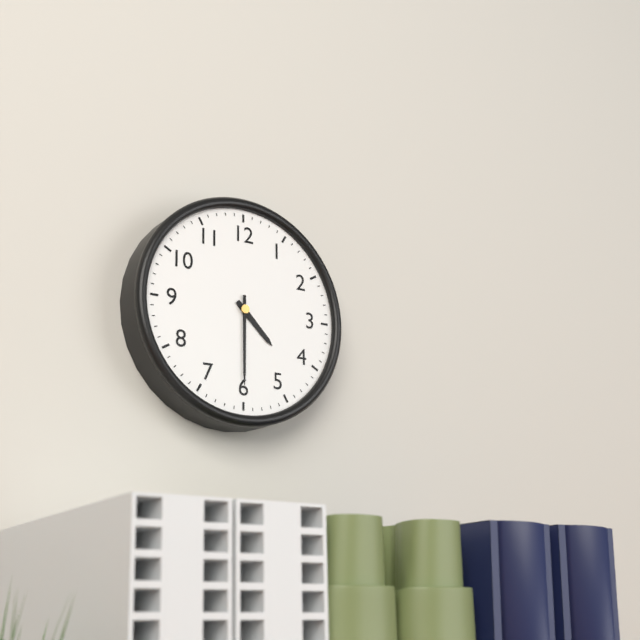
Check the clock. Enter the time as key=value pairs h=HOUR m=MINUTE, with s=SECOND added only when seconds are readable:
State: h=4 m=30
